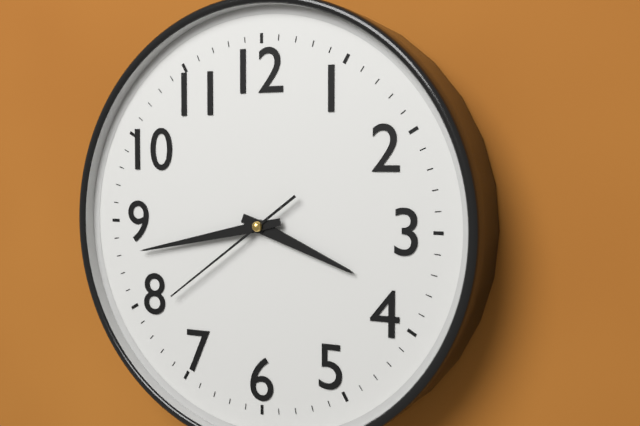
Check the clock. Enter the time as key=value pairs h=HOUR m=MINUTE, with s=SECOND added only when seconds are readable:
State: h=3 m=43 s=39
